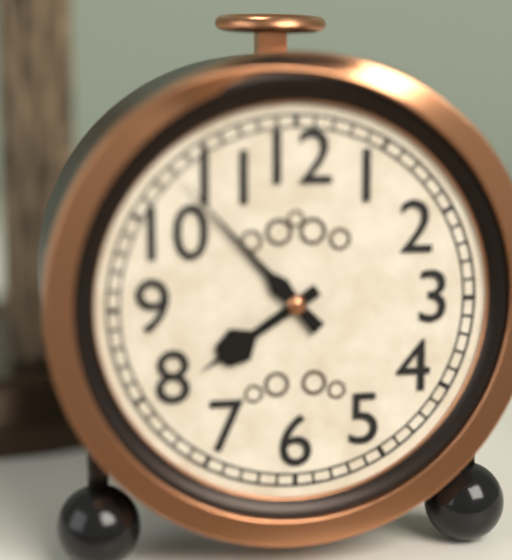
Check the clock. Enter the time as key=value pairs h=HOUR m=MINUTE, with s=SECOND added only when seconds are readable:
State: h=7 m=53
